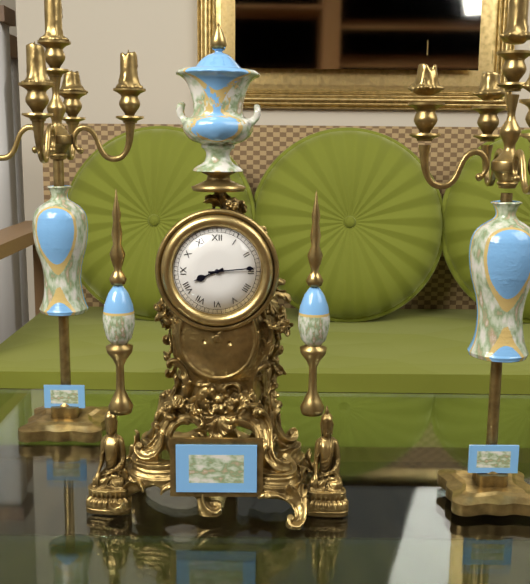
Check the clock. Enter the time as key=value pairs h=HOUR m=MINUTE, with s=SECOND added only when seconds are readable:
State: h=8 m=14
